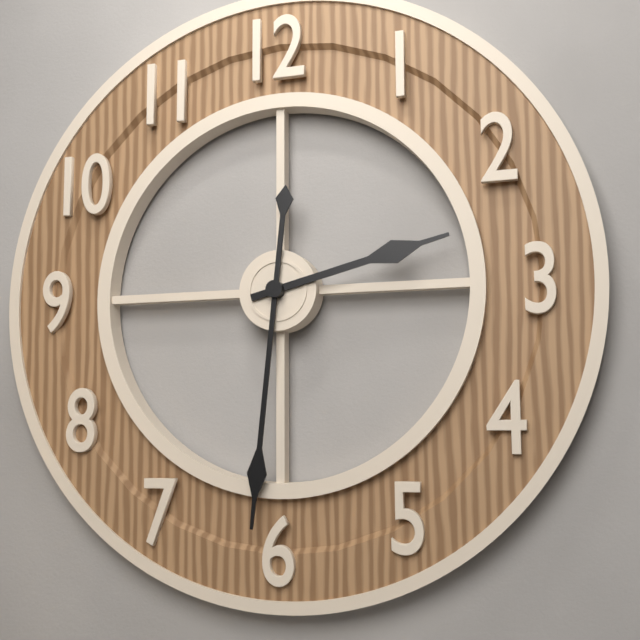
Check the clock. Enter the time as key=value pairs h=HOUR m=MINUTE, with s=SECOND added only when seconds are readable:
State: h=2 m=31
